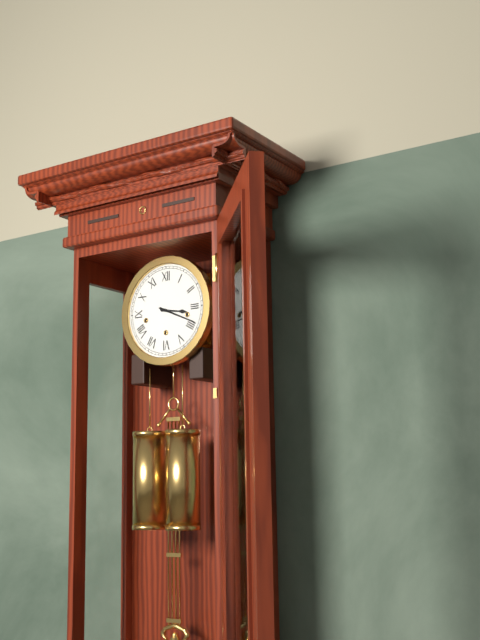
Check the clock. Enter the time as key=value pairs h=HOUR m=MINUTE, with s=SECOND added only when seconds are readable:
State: h=3 m=19
